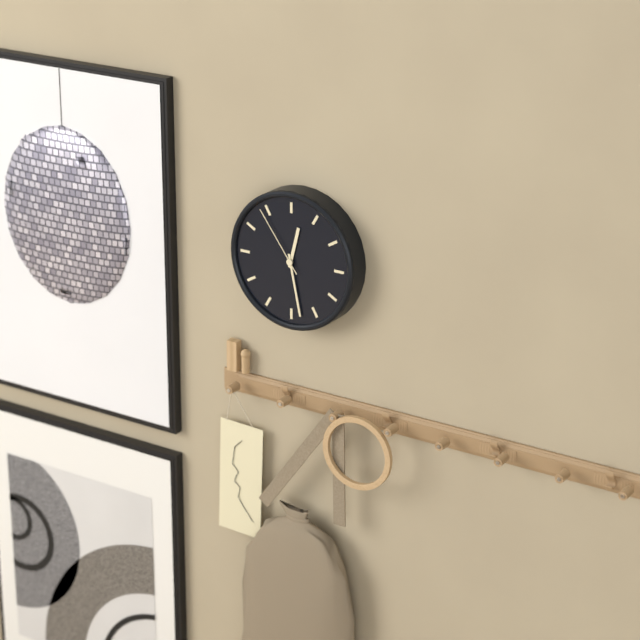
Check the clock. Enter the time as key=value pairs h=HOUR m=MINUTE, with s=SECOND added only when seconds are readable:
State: h=12 m=28 s=54
